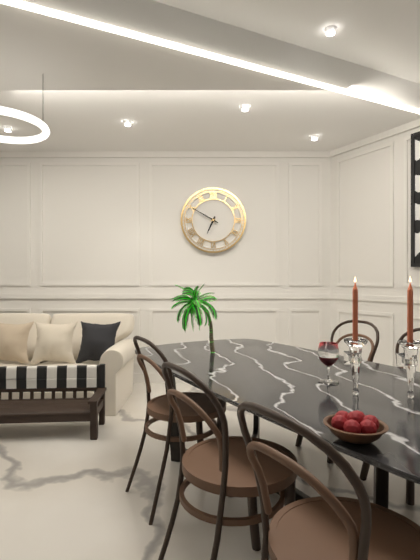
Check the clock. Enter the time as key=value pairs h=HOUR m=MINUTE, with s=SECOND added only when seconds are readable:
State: h=6 m=50
